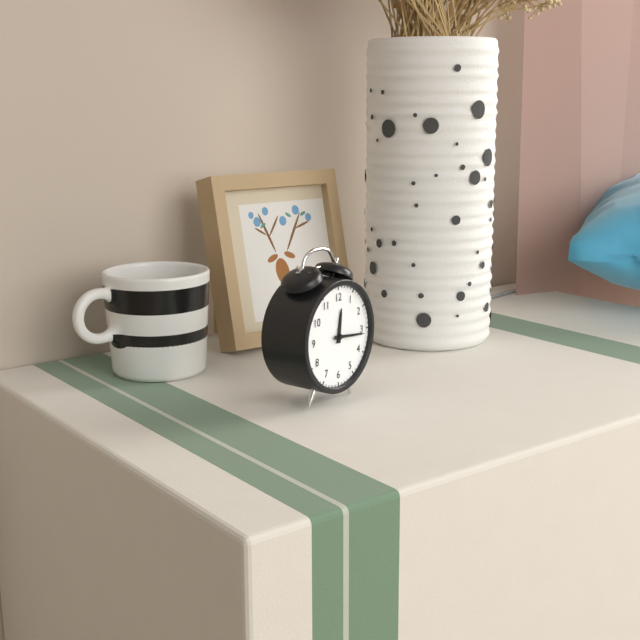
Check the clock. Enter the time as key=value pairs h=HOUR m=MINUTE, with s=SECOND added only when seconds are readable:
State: h=12 m=16
